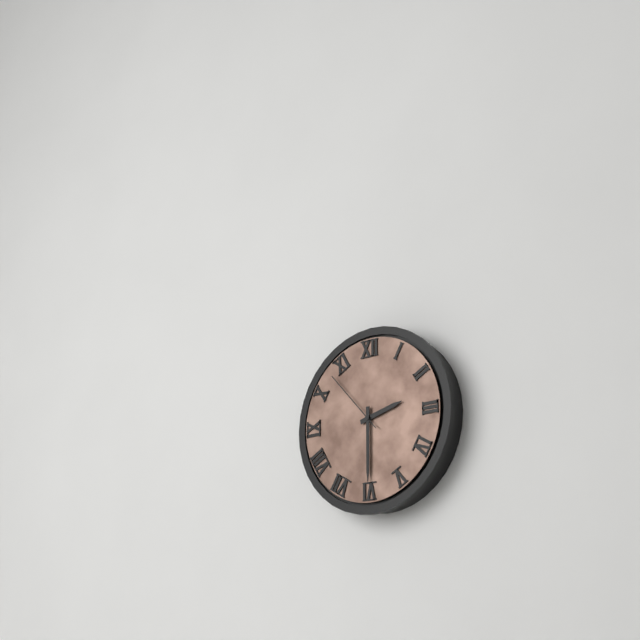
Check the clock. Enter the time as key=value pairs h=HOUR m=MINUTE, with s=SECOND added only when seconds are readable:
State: h=2 m=30 s=53
